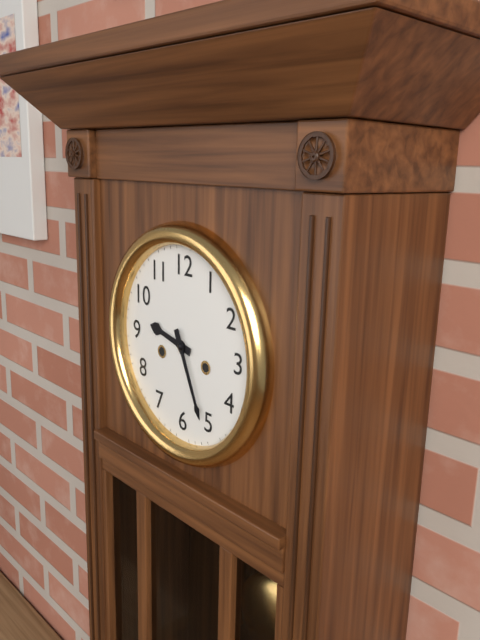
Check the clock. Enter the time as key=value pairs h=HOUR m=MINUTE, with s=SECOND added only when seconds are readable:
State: h=9 m=26
